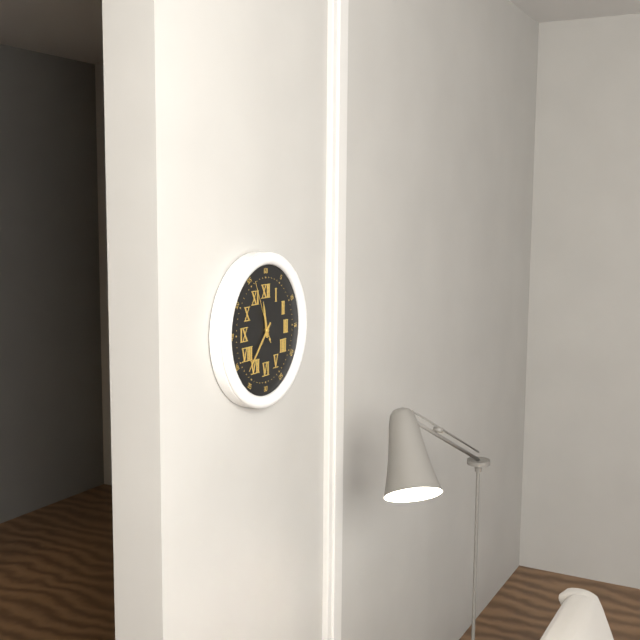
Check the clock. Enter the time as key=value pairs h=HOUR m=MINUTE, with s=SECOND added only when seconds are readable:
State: h=11 m=37 s=56
